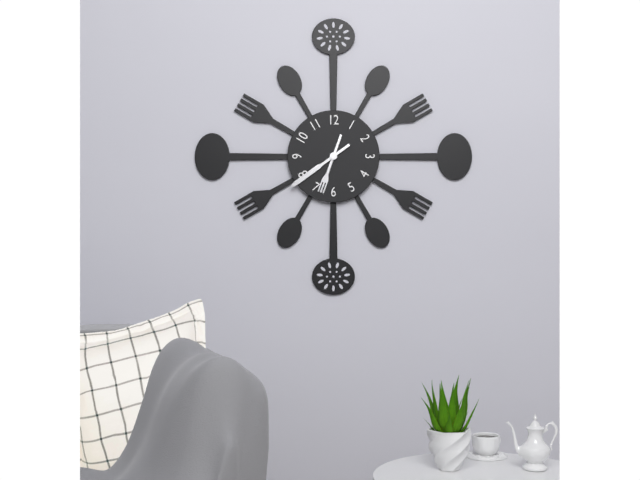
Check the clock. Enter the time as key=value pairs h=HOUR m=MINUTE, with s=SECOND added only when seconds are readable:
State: h=6 m=39
